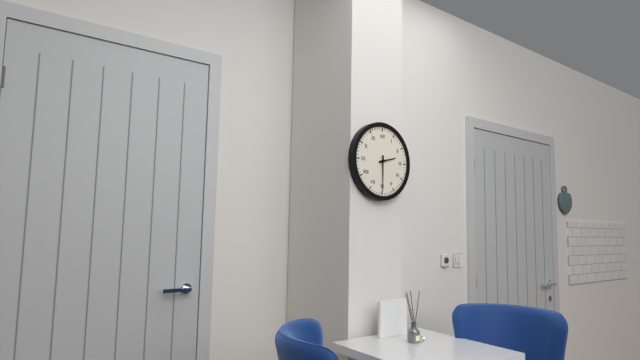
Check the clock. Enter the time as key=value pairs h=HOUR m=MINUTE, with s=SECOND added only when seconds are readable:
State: h=2 m=30
